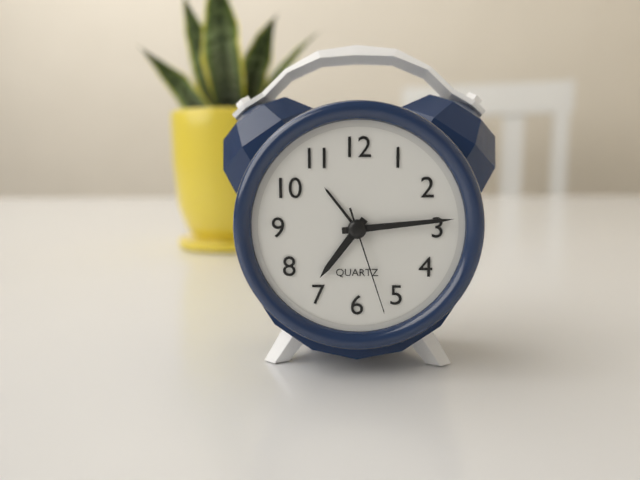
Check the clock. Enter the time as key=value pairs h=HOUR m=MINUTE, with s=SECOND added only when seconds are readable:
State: h=7 m=14 s=27
